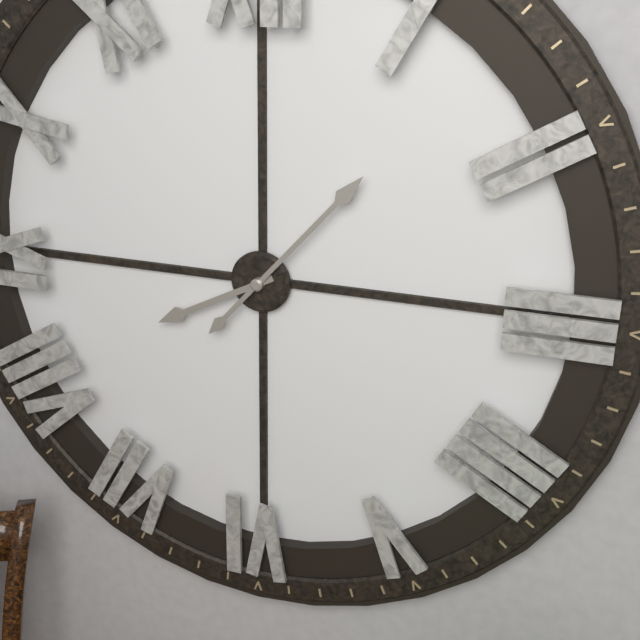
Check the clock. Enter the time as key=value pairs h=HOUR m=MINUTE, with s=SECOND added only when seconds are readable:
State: h=8 m=7
